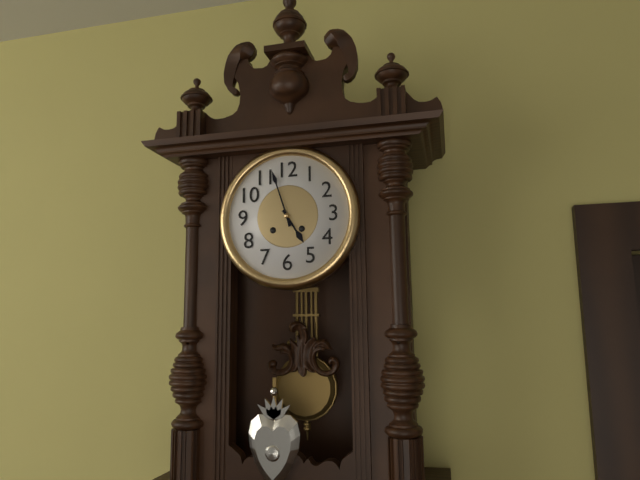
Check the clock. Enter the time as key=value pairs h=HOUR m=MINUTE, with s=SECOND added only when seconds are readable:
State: h=4 m=57
